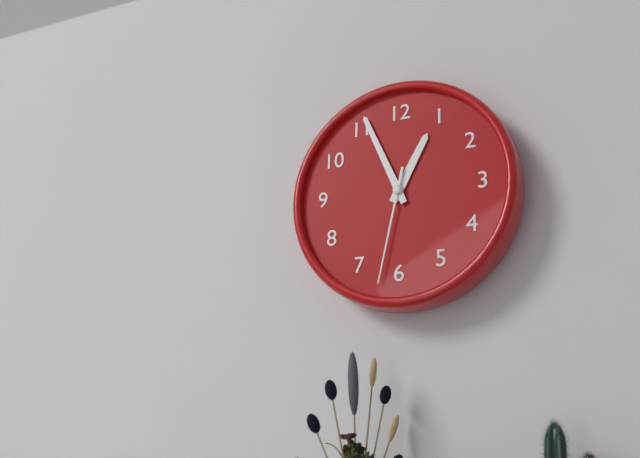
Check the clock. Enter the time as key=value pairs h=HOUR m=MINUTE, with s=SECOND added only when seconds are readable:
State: h=12 m=56 s=32
